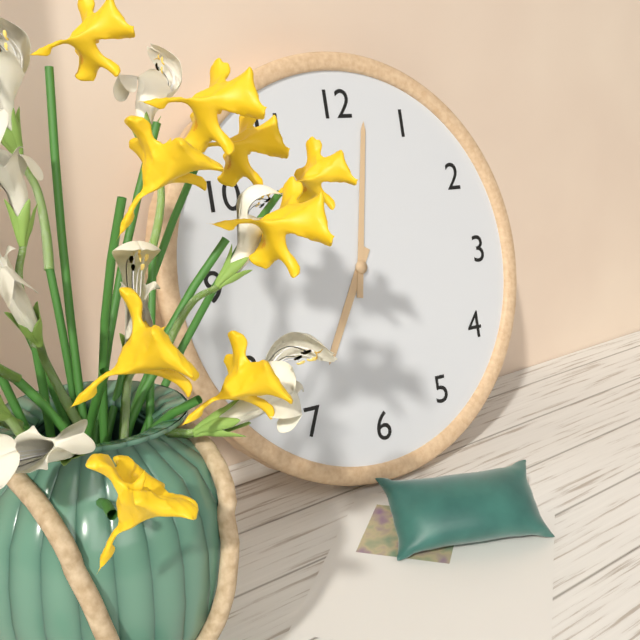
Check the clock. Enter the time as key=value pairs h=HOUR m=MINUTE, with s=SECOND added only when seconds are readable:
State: h=7 m=2
